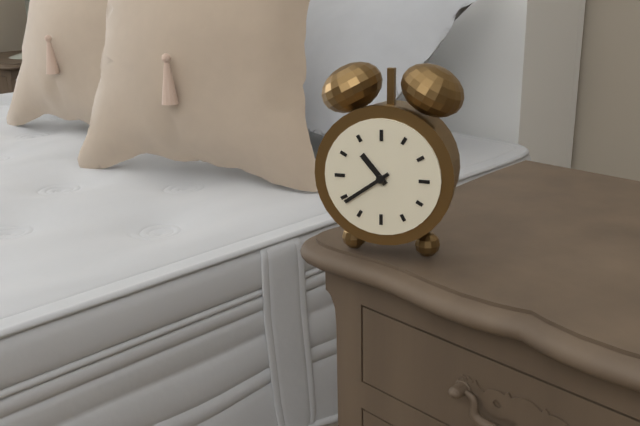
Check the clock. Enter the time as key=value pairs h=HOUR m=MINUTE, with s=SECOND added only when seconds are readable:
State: h=10 m=39
